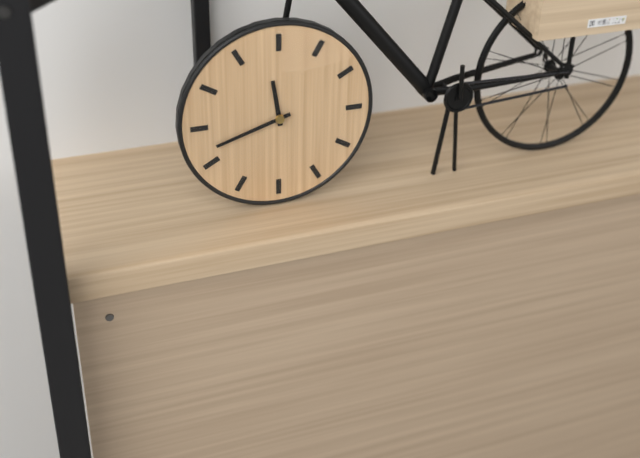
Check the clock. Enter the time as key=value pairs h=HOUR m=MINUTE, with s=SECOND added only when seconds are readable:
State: h=11 m=42
